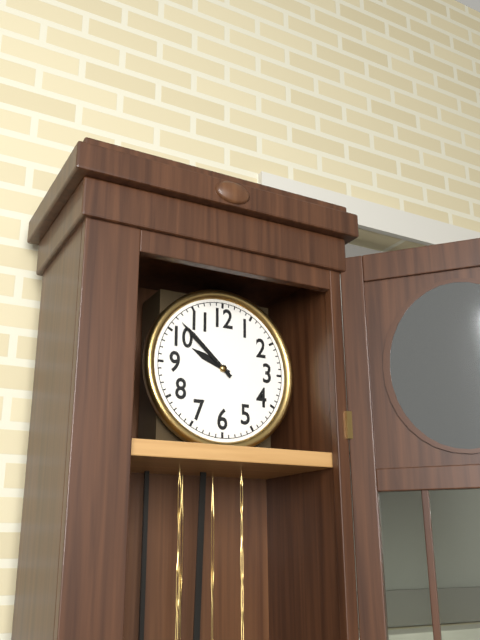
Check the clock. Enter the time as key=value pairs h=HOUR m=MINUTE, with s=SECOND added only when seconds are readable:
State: h=9 m=52
